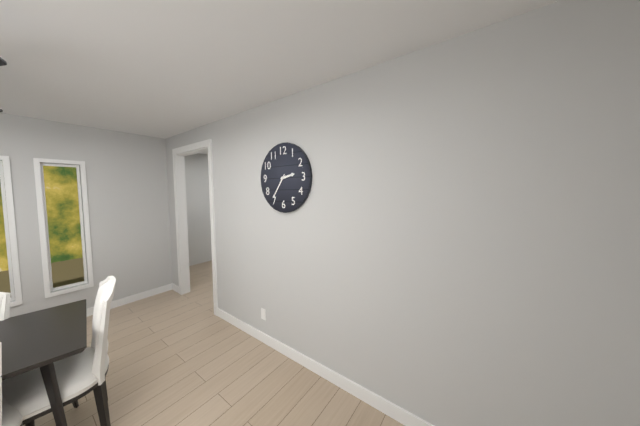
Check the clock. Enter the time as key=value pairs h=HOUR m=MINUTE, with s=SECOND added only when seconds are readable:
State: h=2 m=36
